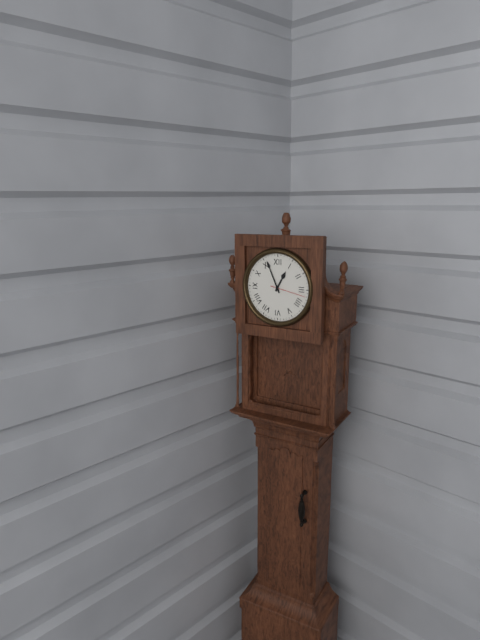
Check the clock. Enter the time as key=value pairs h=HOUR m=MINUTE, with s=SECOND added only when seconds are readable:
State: h=12 m=56
